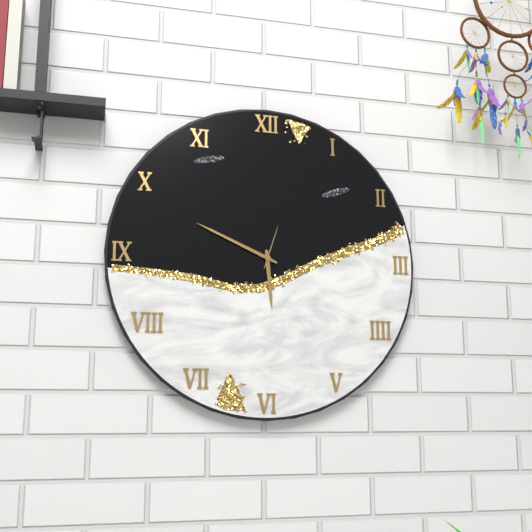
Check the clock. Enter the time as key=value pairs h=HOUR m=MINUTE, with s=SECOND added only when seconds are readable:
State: h=5 m=49
